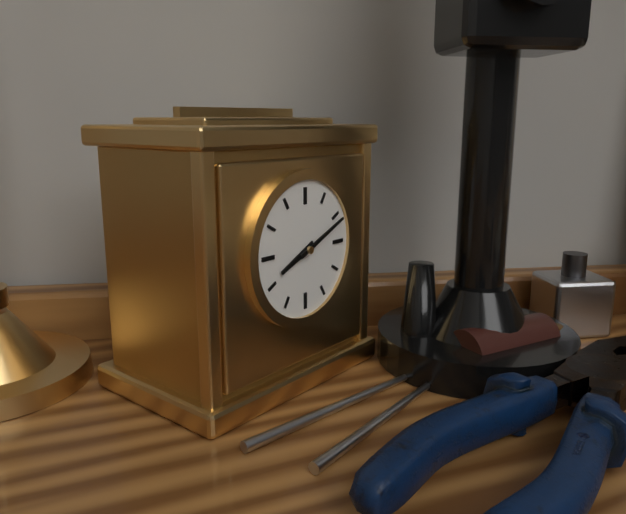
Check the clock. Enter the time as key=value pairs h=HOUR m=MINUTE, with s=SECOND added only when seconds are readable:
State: h=8 m=11
